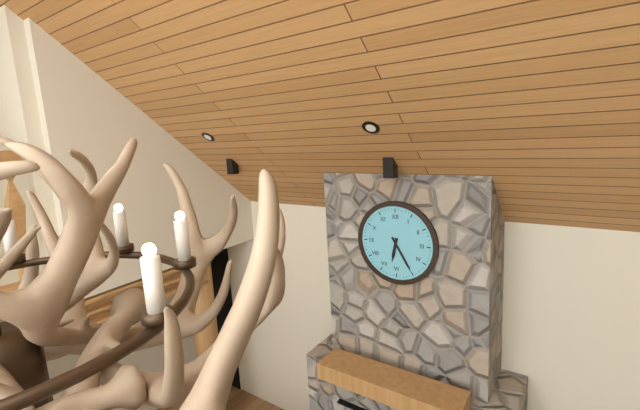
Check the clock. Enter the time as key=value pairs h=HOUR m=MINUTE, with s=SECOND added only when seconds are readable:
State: h=6 m=25
